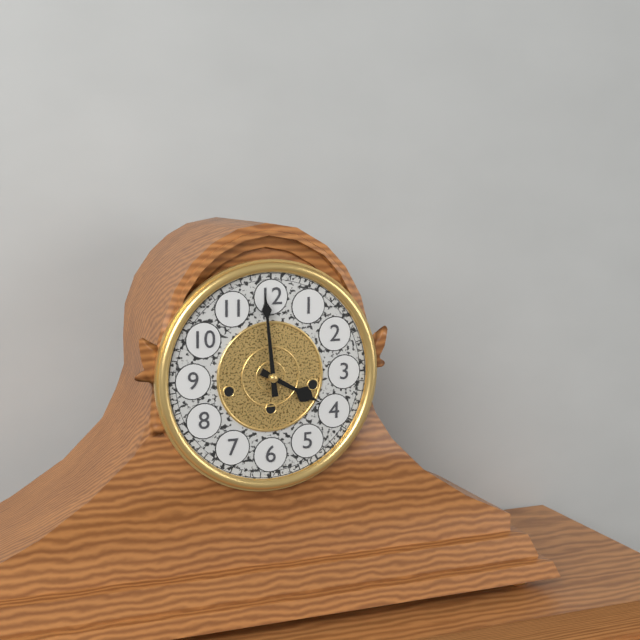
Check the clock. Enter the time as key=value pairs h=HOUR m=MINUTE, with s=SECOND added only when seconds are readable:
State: h=3 m=59
